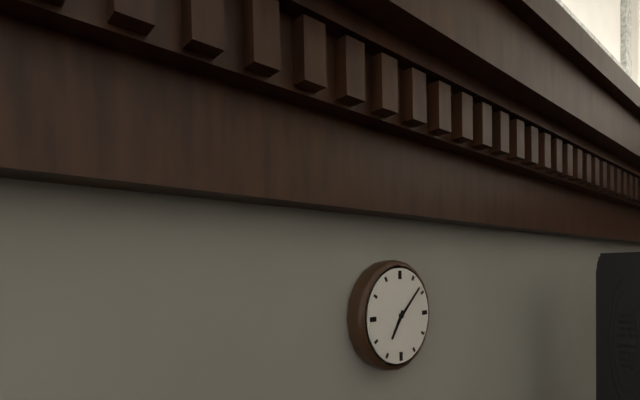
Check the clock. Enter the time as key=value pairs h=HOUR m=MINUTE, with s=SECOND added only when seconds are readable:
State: h=7 m=8
